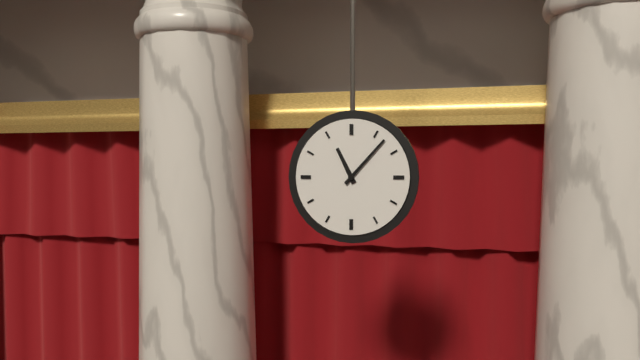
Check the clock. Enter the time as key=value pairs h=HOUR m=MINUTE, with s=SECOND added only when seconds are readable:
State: h=11 m=7
